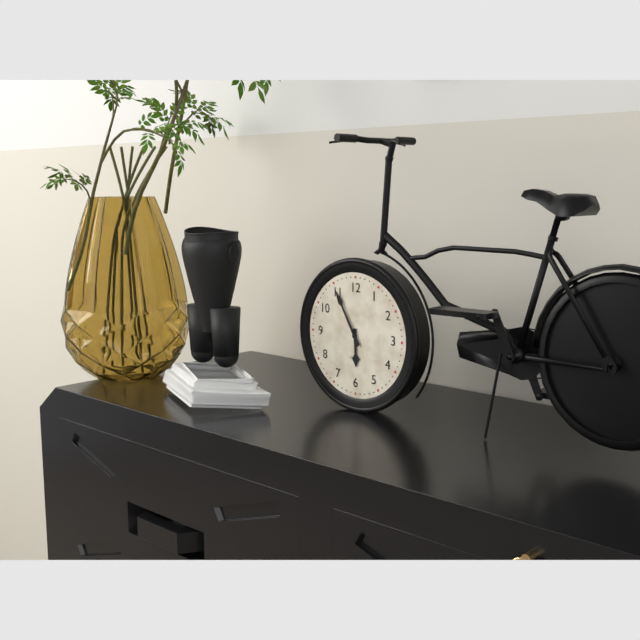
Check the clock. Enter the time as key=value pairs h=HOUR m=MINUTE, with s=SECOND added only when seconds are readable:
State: h=5 m=55
